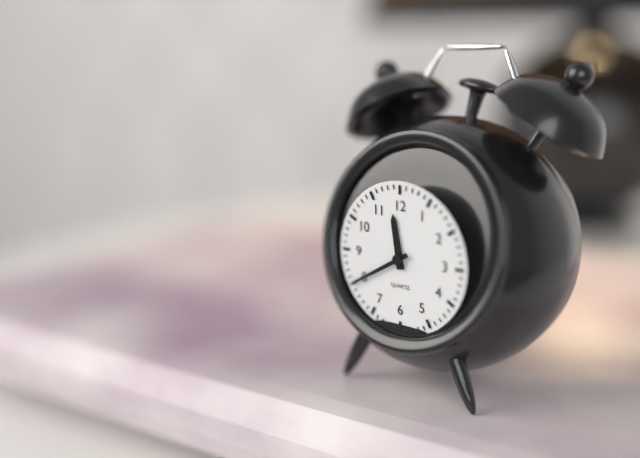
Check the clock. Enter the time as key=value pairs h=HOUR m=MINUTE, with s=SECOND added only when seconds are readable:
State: h=11 m=40
